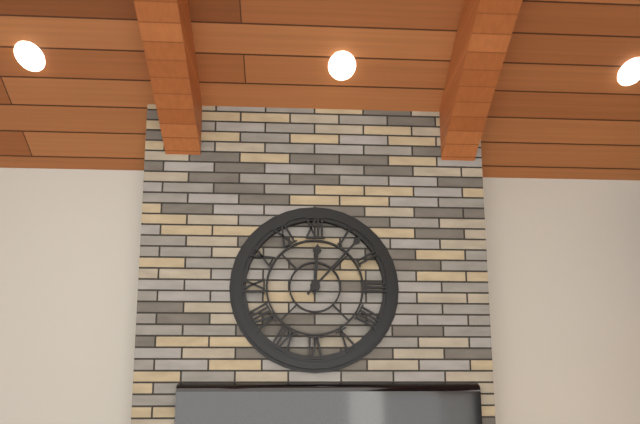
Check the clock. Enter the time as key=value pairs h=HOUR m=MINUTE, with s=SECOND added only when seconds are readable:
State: h=12 m=7
